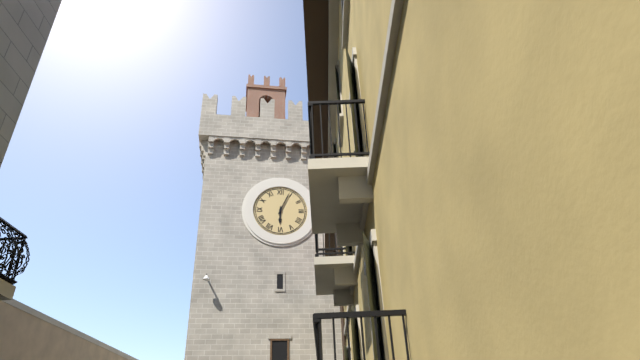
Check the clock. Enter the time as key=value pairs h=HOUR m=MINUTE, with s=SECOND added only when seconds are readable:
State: h=6 m=4
